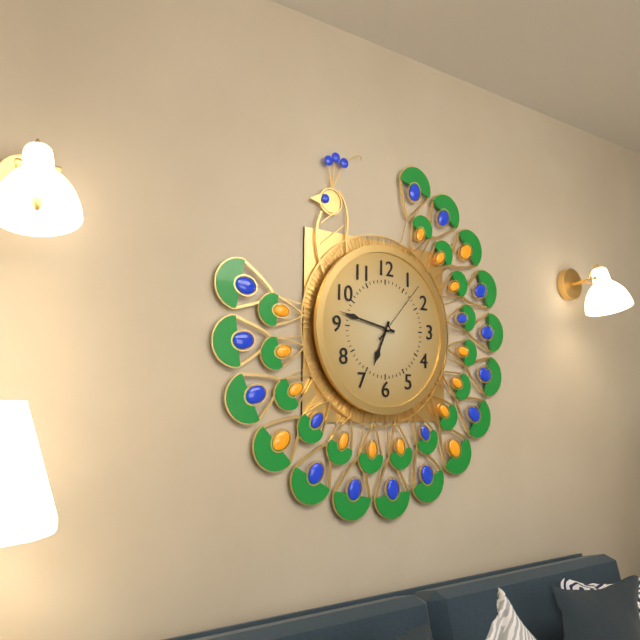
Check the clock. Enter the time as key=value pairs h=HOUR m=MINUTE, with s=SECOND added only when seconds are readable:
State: h=6 m=47 s=7
